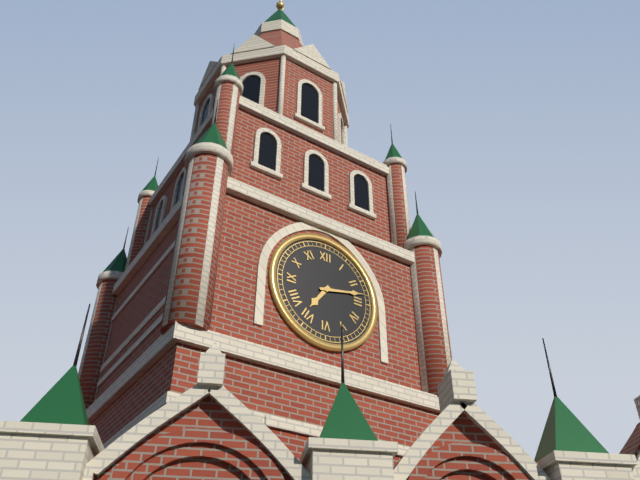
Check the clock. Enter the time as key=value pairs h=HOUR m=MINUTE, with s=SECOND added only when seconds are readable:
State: h=7 m=13
